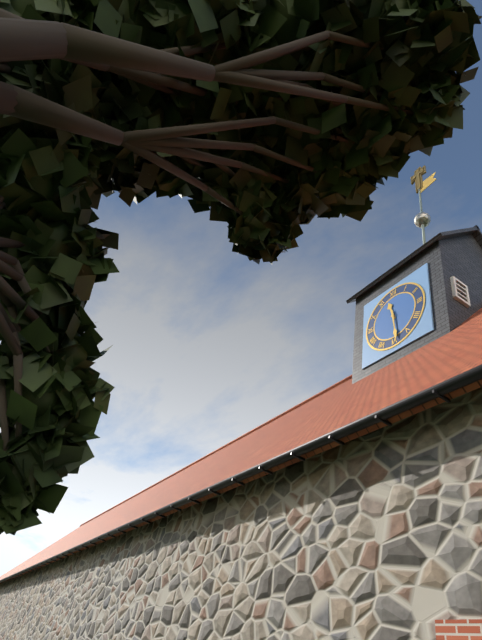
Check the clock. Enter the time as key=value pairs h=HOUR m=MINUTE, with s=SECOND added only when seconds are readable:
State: h=11 m=29
